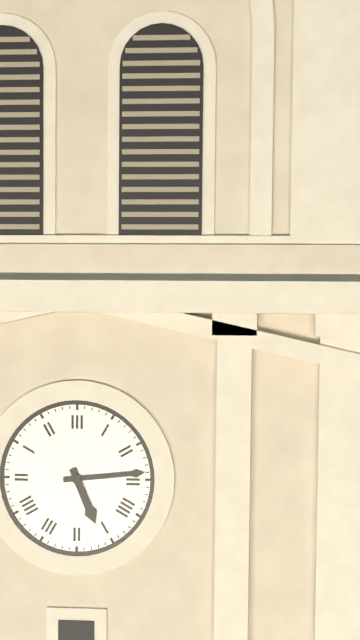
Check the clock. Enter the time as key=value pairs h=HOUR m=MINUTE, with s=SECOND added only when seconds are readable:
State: h=5 m=14
